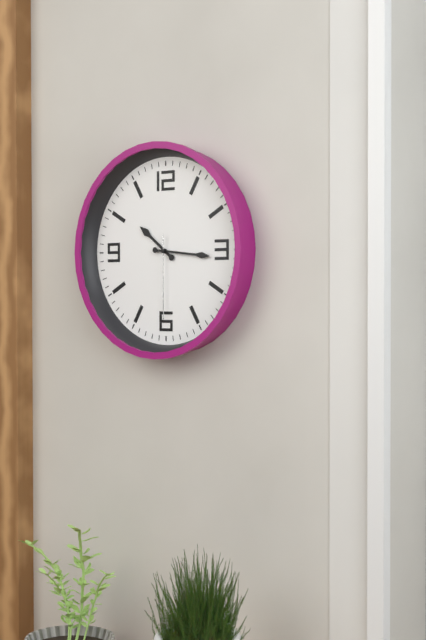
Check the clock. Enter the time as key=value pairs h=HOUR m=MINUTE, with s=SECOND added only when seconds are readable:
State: h=10 m=16 s=30
